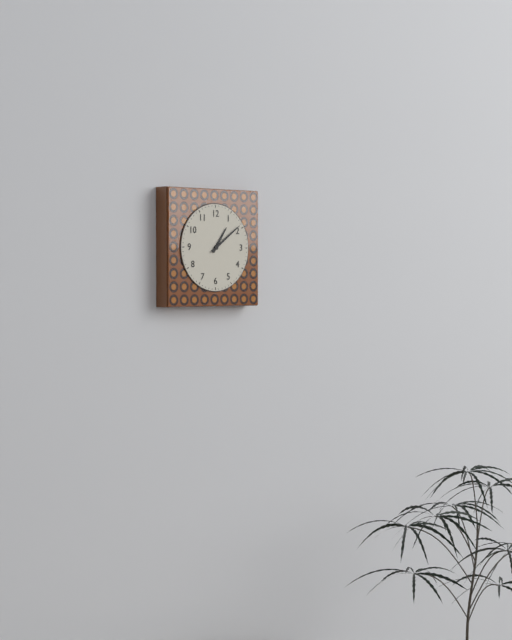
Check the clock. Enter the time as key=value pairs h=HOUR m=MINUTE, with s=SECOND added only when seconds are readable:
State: h=1 m=9
